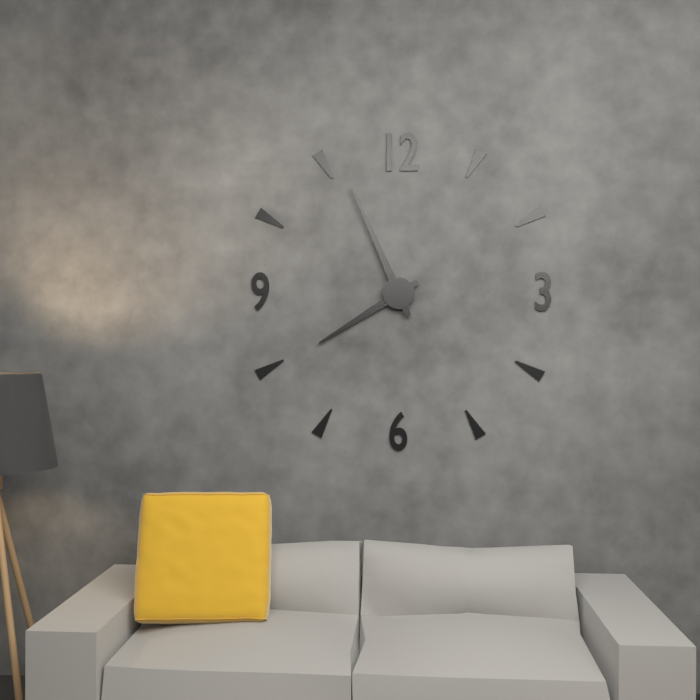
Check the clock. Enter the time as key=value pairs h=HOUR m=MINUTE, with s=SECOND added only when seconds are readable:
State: h=7 m=56
